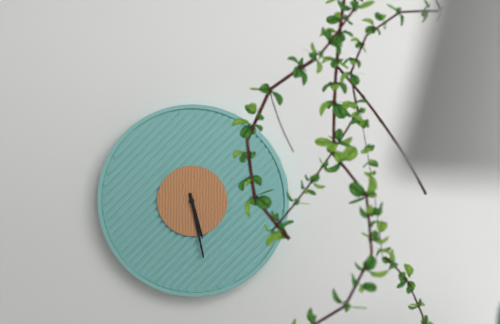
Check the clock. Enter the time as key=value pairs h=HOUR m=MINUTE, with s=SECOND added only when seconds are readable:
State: h=5 m=28
